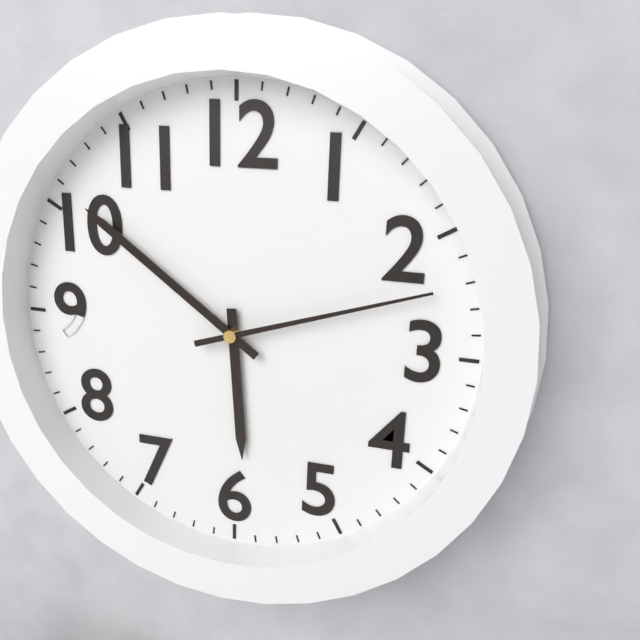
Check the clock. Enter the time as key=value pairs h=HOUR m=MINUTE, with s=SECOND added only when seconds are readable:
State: h=5 m=51 s=12
